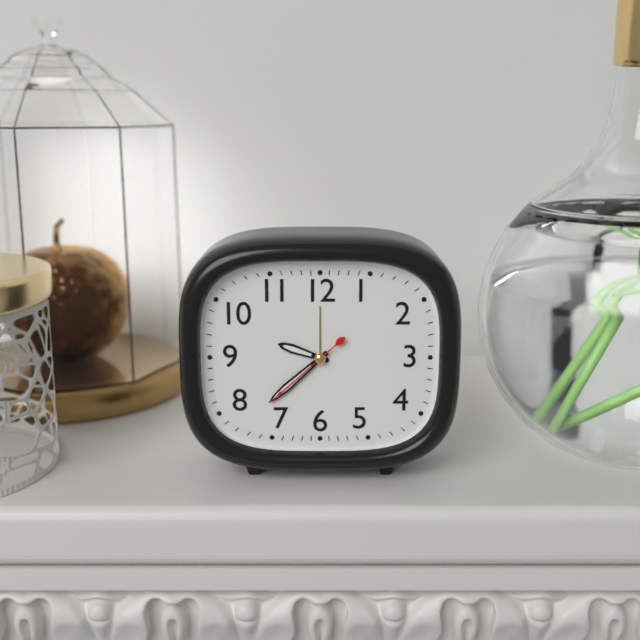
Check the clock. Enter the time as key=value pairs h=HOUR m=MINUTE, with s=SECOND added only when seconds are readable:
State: h=9 m=38 s=38
